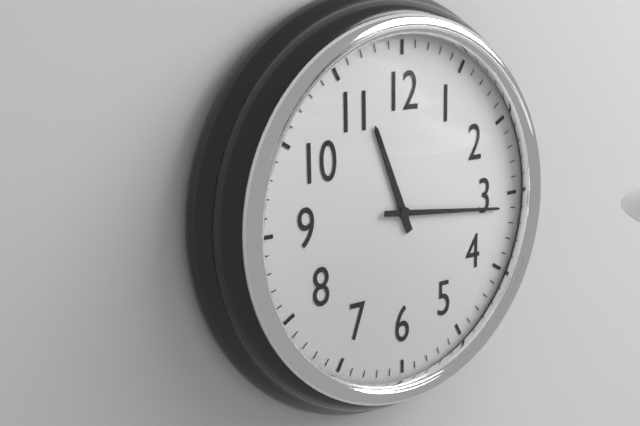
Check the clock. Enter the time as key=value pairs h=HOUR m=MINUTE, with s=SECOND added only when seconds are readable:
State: h=11 m=16
